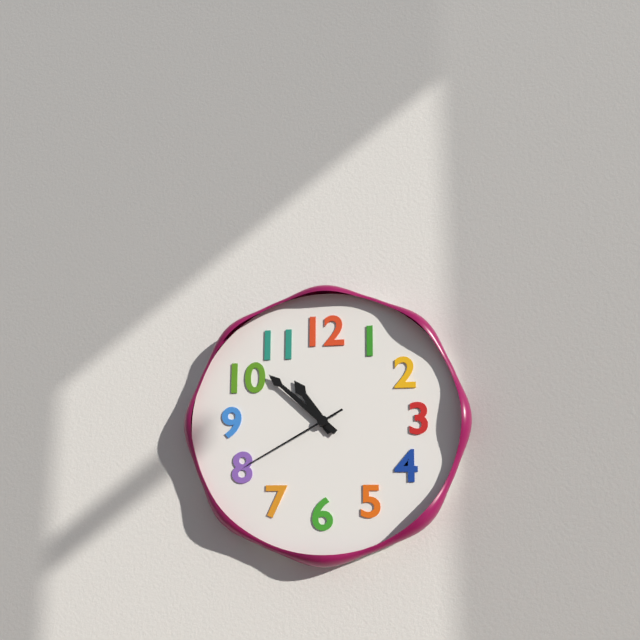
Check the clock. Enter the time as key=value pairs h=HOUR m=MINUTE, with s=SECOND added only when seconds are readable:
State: h=10 m=52 s=40
